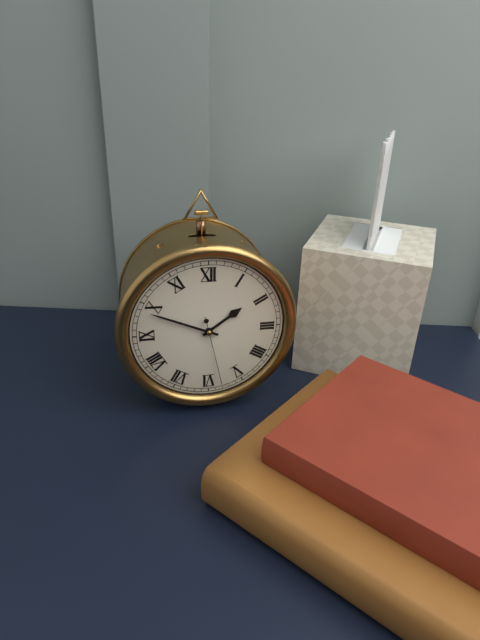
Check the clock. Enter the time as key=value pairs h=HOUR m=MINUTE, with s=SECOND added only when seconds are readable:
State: h=1 m=49 s=28
